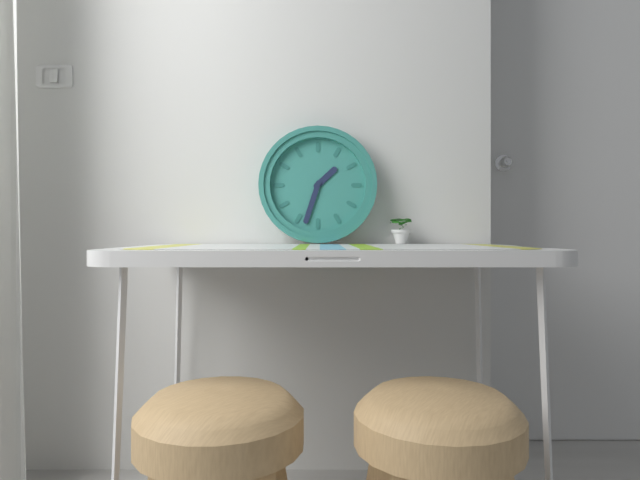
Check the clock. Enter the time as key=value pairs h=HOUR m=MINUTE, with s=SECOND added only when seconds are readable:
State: h=1 m=33
